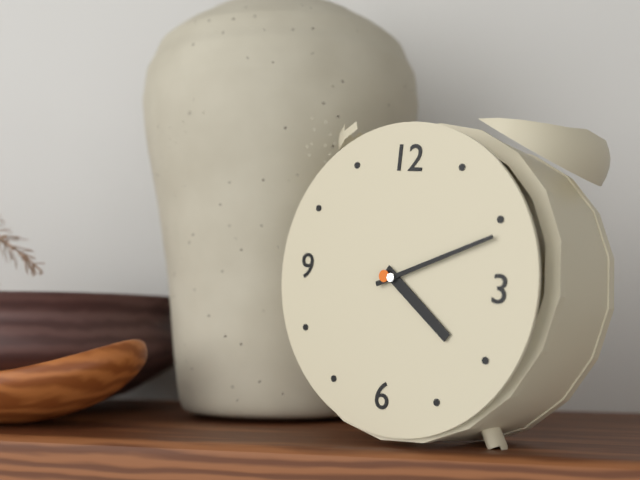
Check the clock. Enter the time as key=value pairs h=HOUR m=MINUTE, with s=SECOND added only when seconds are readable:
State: h=4 m=11
